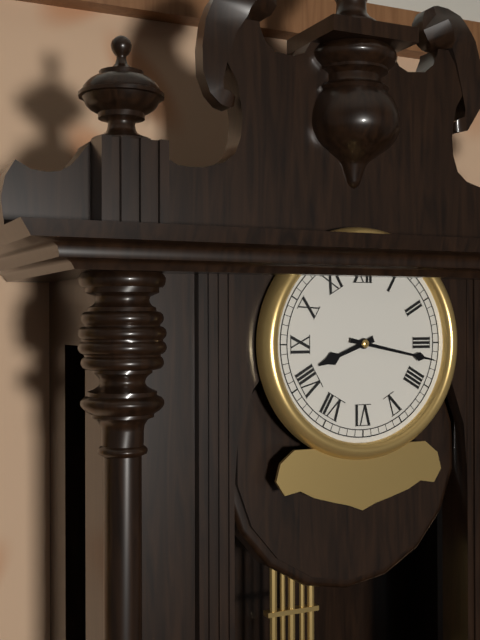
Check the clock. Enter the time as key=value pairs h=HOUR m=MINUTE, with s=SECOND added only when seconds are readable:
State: h=8 m=17
